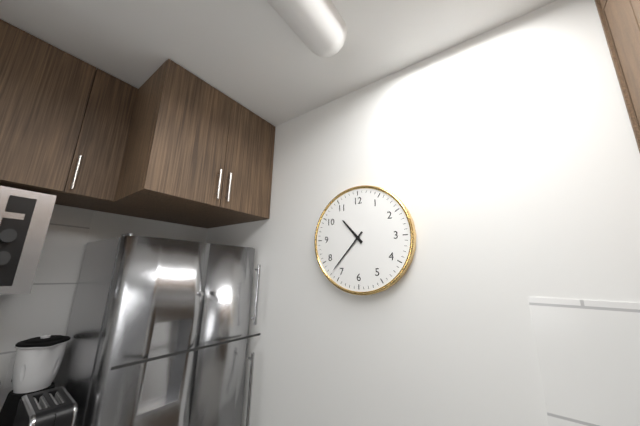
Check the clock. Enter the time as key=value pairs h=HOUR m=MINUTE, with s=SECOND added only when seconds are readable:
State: h=10 m=37
